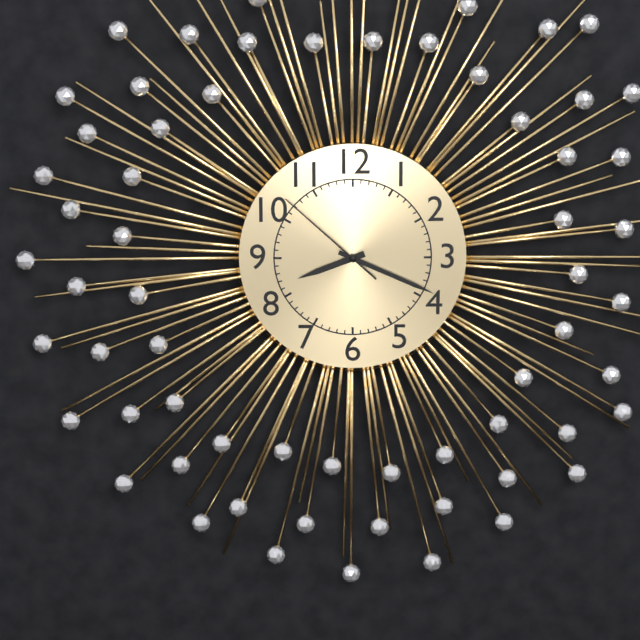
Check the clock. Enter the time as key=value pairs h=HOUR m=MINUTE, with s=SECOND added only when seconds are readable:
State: h=8 m=19 s=52
